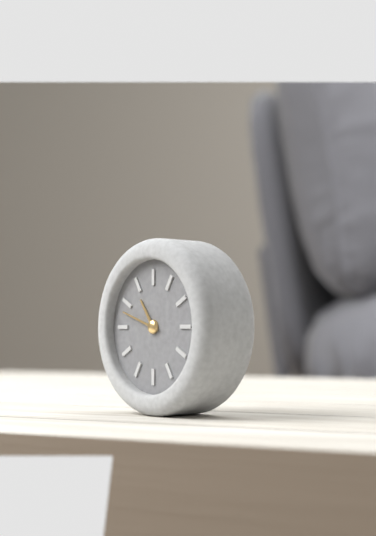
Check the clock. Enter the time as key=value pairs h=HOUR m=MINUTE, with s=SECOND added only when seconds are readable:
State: h=10 m=48
